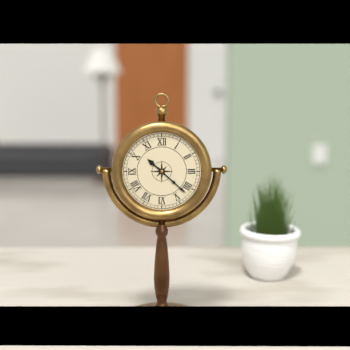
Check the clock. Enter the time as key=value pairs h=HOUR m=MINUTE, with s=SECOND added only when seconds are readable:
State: h=10 m=22
